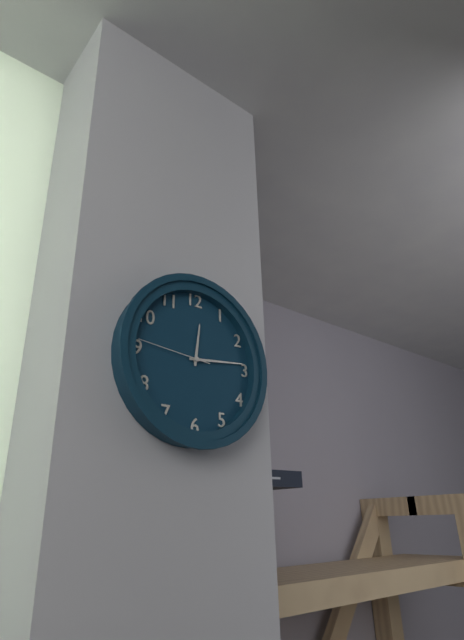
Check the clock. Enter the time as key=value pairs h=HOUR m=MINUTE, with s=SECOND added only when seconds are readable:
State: h=12 m=14 s=46
